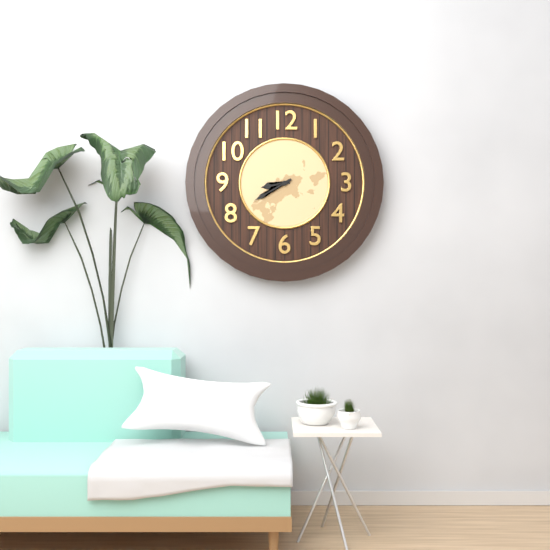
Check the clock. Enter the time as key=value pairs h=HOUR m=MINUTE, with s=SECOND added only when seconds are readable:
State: h=8 m=40
